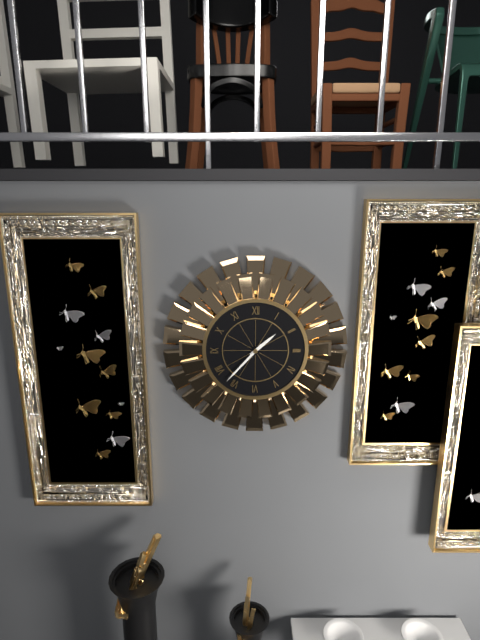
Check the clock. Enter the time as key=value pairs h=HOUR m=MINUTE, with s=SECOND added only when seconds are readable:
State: h=1 m=37
